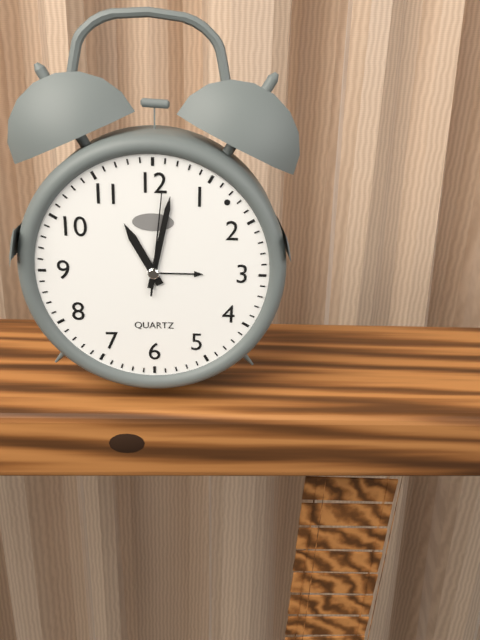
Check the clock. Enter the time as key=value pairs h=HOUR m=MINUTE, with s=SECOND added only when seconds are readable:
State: h=11 m=2 s=1
